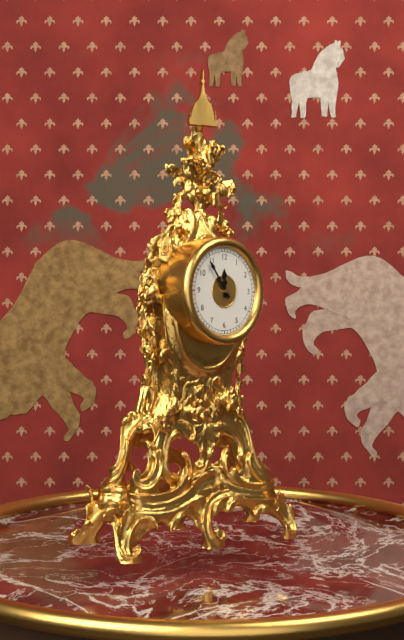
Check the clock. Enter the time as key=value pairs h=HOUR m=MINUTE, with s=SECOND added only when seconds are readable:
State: h=11 m=54
